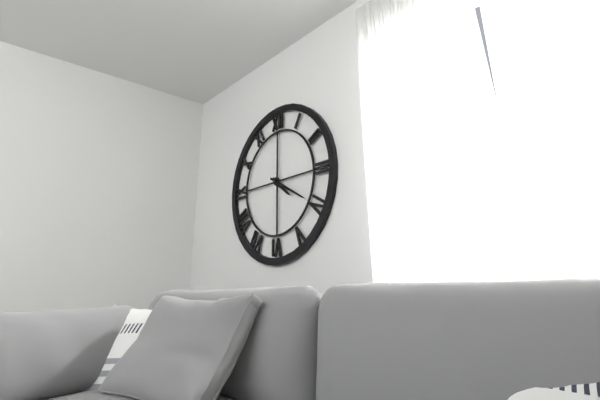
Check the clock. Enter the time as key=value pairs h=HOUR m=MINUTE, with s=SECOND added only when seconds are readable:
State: h=4 m=20
